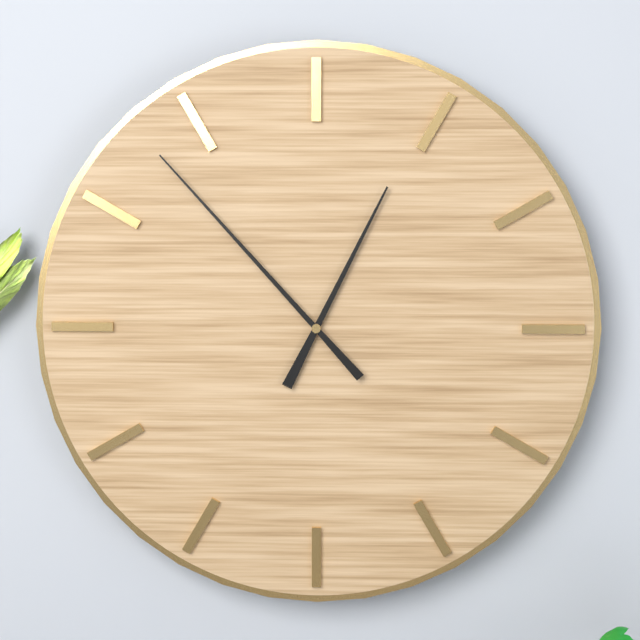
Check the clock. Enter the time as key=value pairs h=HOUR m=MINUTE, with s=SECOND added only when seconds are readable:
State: h=12 m=53
